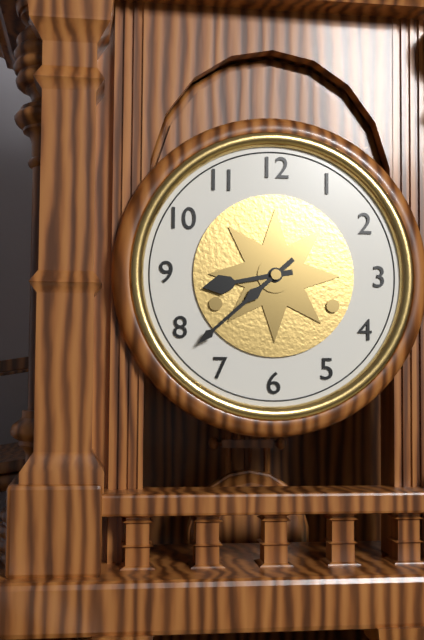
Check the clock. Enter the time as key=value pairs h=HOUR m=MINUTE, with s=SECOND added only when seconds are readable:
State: h=8 m=38
